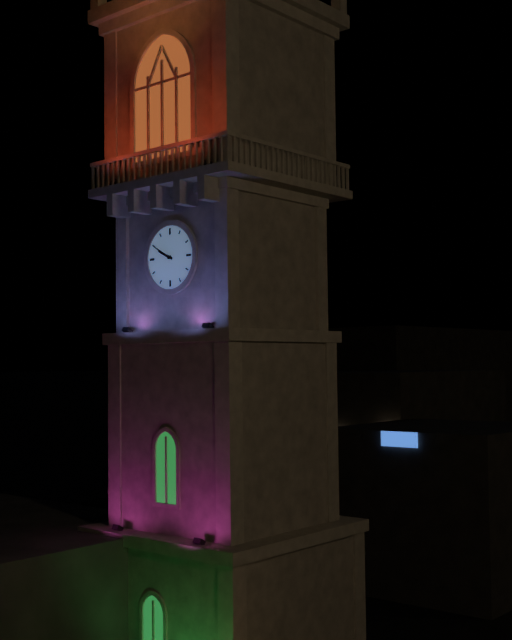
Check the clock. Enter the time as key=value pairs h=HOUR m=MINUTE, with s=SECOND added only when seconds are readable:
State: h=9 m=50
